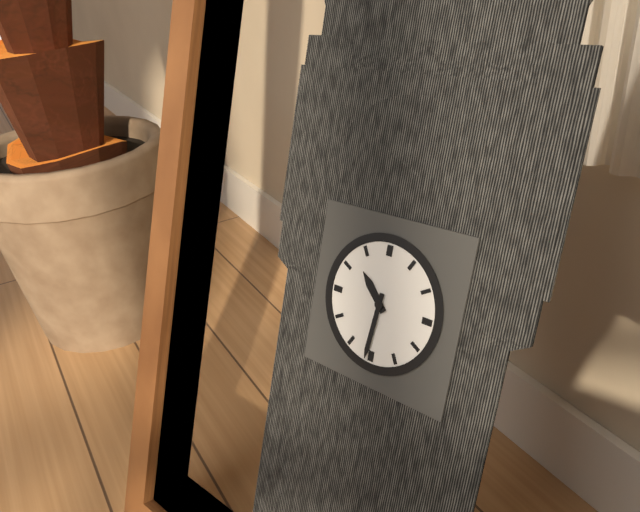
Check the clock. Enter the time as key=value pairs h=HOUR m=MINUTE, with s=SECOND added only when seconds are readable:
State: h=10 m=31
